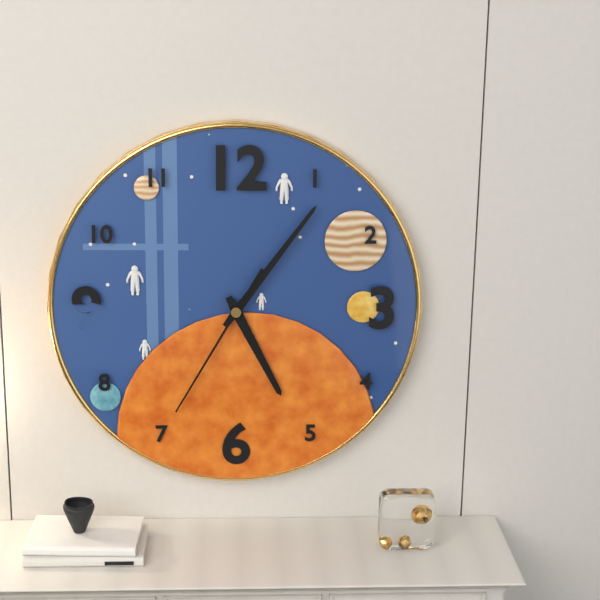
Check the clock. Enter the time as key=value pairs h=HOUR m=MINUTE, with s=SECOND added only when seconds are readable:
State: h=5 m=6 s=35
